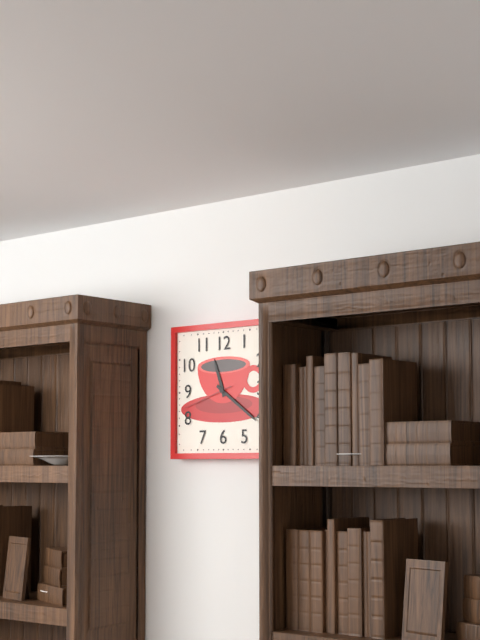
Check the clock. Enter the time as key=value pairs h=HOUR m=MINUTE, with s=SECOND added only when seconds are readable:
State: h=11 m=21 s=42
